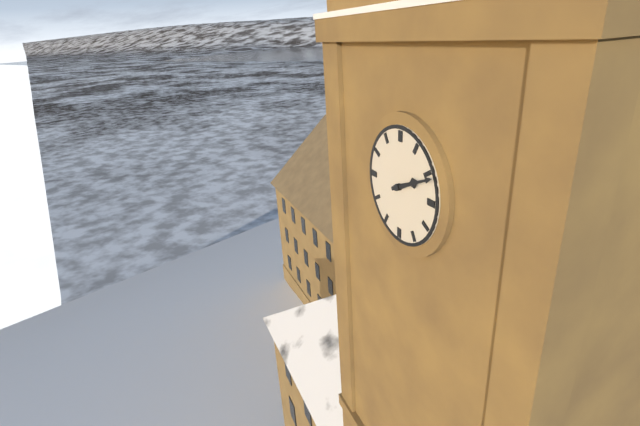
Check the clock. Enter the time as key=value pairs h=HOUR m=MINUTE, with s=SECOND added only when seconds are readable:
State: h=2 m=11
